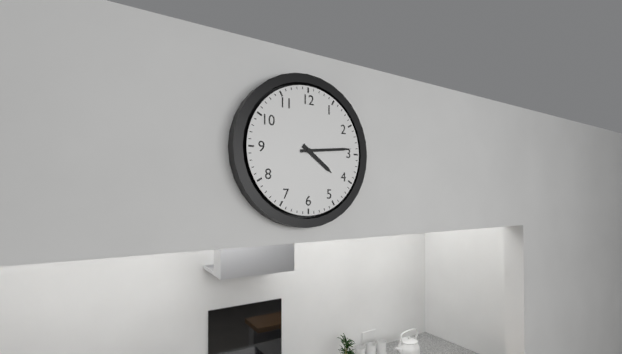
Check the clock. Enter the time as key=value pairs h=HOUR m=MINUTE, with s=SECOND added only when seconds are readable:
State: h=4 m=14
